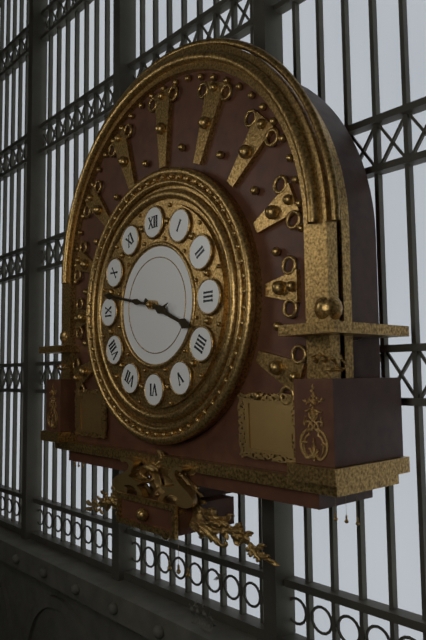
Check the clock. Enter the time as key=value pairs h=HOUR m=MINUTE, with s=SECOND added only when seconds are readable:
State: h=3 m=47
